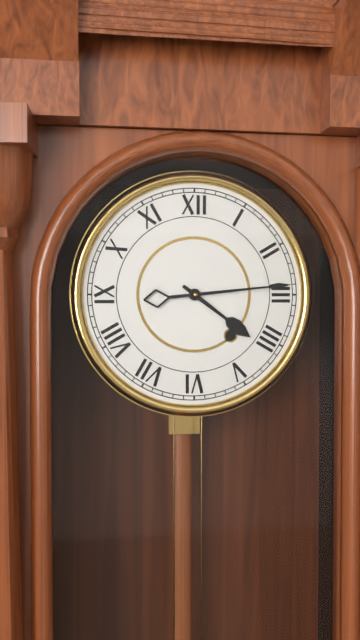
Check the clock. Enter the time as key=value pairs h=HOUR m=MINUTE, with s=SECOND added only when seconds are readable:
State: h=4 m=14
